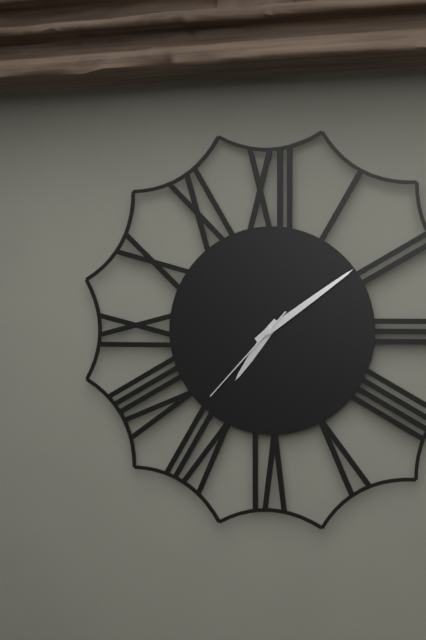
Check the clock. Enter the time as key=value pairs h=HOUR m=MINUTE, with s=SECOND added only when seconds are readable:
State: h=7 m=9 s=37
